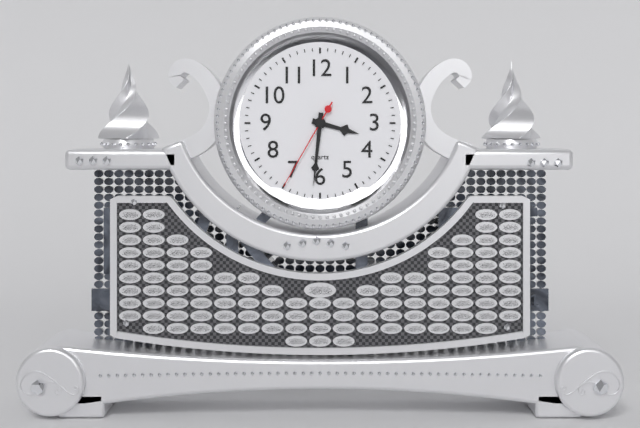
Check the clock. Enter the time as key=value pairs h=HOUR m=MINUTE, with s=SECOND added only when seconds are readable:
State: h=3 m=31 s=35
